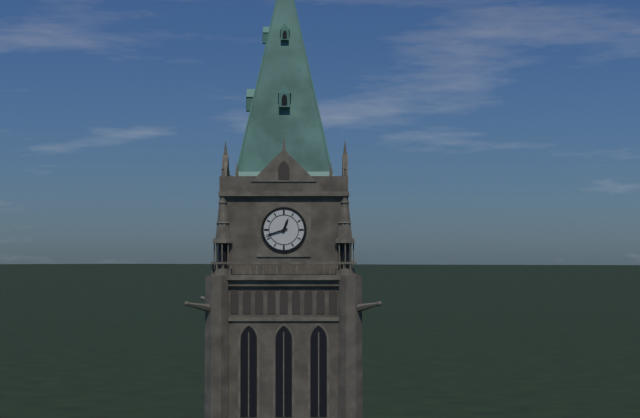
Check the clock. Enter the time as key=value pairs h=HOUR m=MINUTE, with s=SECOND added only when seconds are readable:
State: h=12 m=42
